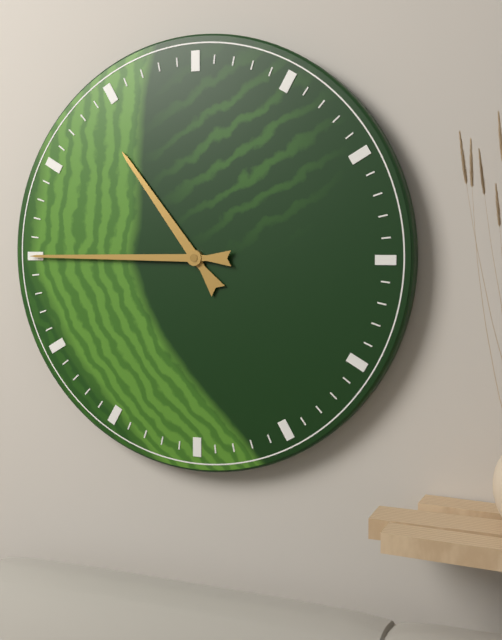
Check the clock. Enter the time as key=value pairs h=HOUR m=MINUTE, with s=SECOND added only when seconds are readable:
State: h=10 m=45
